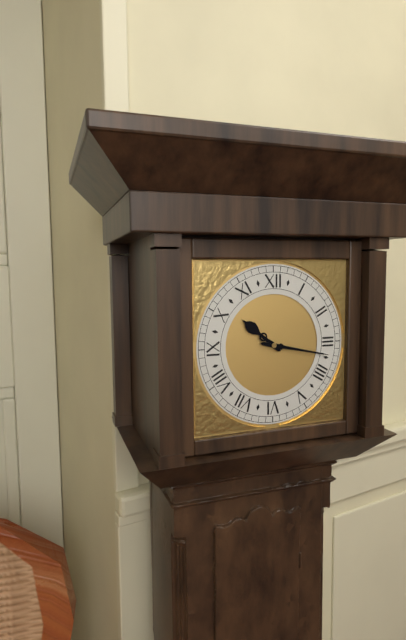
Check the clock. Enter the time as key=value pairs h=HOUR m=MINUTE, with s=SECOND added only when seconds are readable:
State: h=10 m=17
